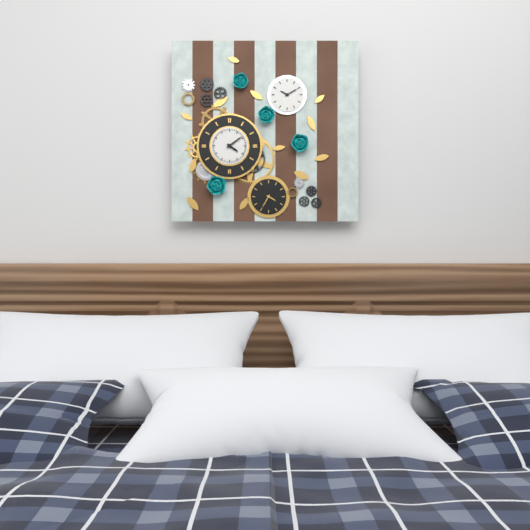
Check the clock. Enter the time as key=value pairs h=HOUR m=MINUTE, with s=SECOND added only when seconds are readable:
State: h=4 m=9
